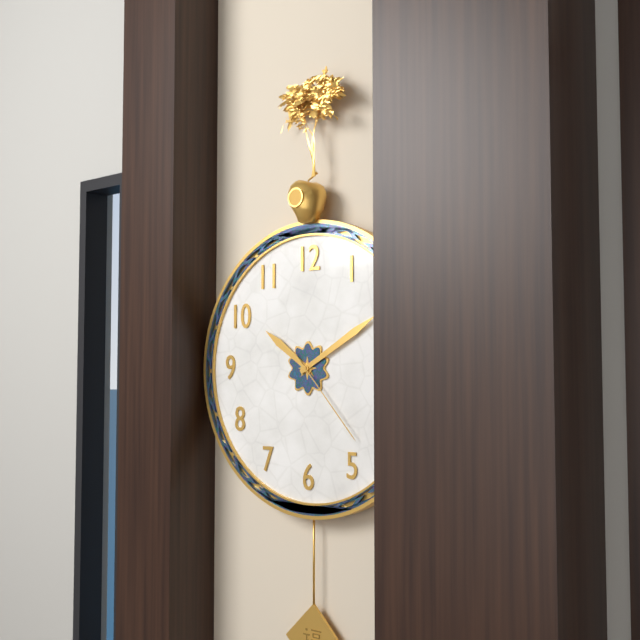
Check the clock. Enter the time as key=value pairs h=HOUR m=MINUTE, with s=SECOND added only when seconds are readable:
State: h=10 m=10 s=23
